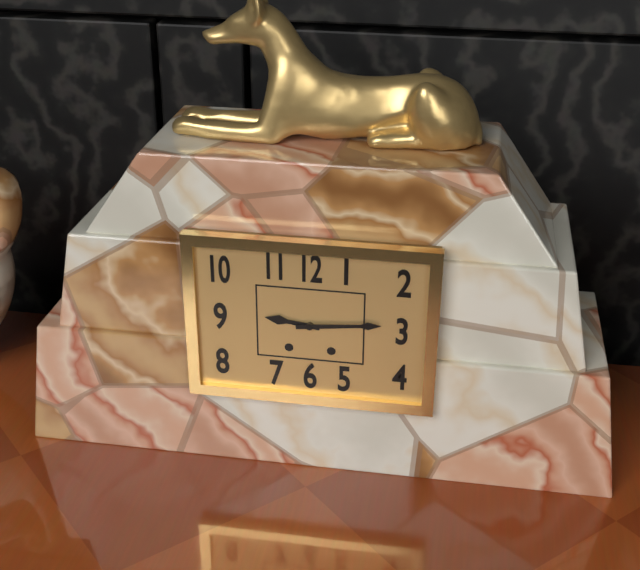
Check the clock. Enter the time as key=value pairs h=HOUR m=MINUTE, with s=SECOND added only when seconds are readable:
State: h=9 m=14
